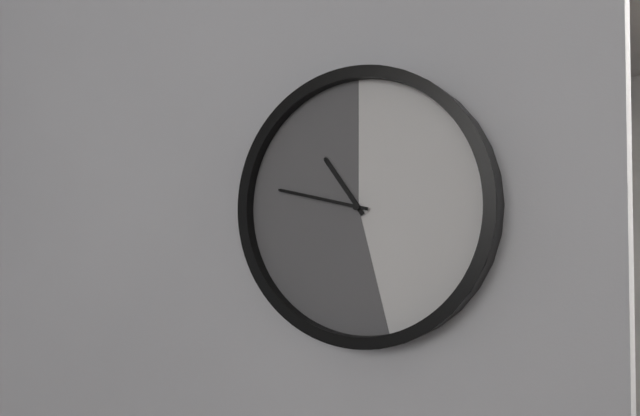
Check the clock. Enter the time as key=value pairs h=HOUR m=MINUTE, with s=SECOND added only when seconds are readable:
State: h=10 m=47
